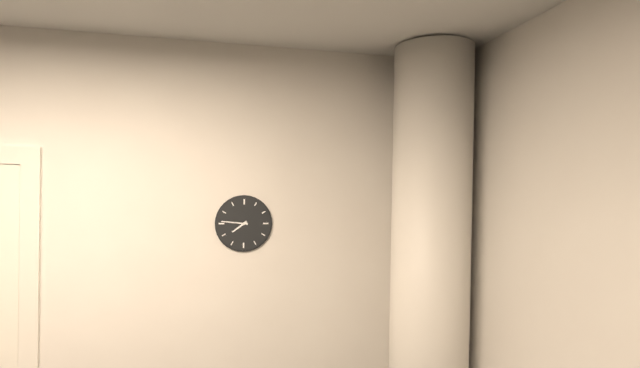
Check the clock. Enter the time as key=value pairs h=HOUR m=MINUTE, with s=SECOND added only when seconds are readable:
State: h=7 m=46
